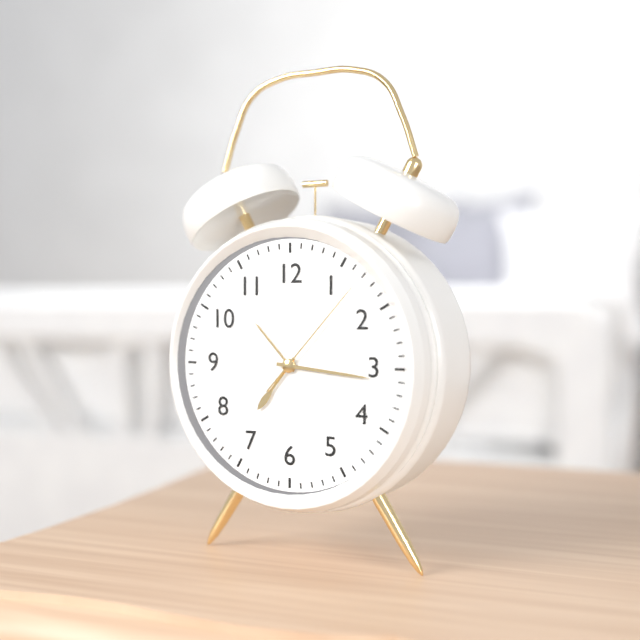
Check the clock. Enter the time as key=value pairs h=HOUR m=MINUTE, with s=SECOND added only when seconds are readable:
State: h=7 m=16 s=7
